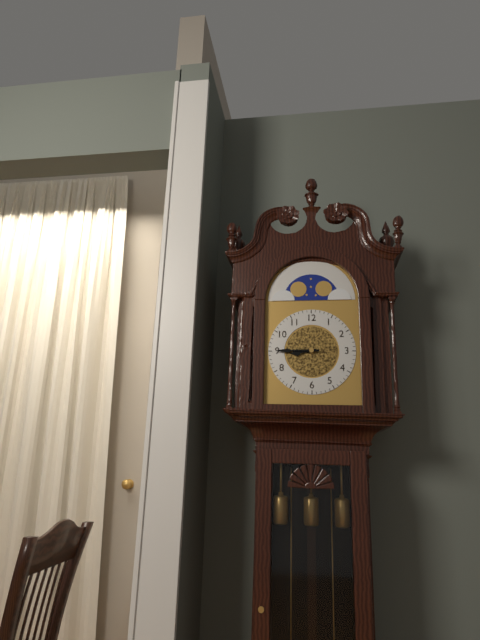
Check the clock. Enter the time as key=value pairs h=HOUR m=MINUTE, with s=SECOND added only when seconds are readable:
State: h=8 m=45
